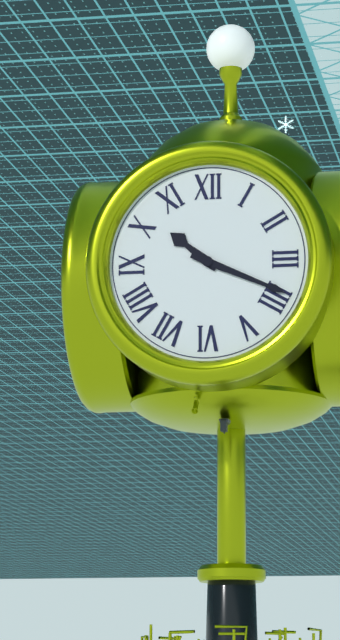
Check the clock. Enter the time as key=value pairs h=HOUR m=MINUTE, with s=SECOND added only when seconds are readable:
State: h=10 m=19
